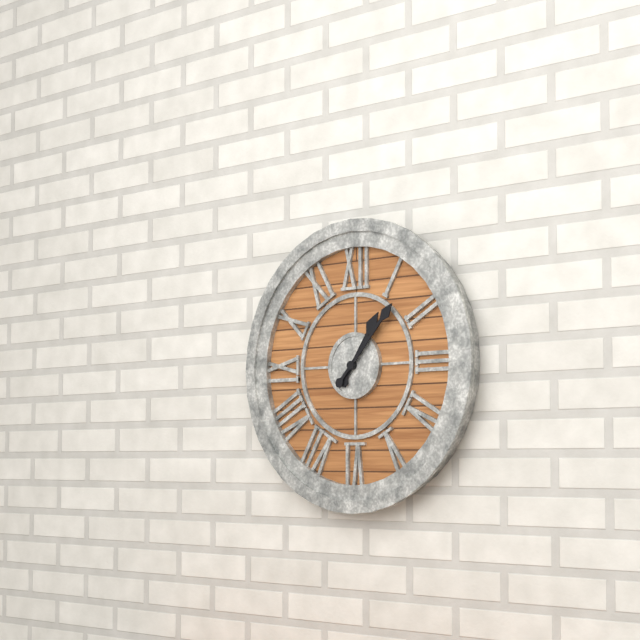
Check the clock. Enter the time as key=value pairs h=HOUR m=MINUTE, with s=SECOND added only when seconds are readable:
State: h=1 m=7
